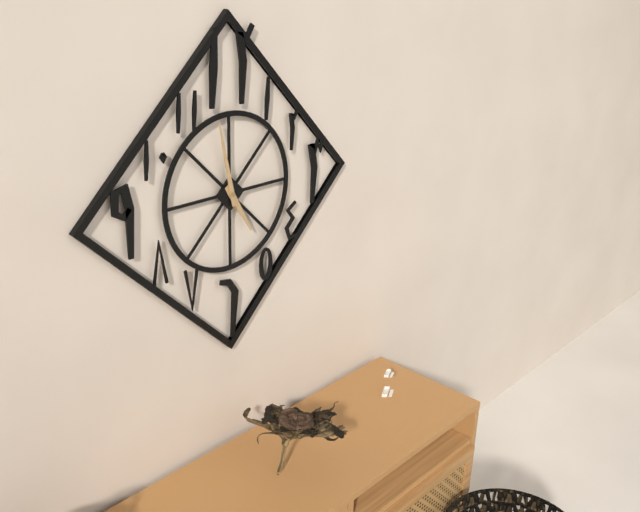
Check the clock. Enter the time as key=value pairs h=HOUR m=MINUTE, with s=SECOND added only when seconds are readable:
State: h=4 m=58
